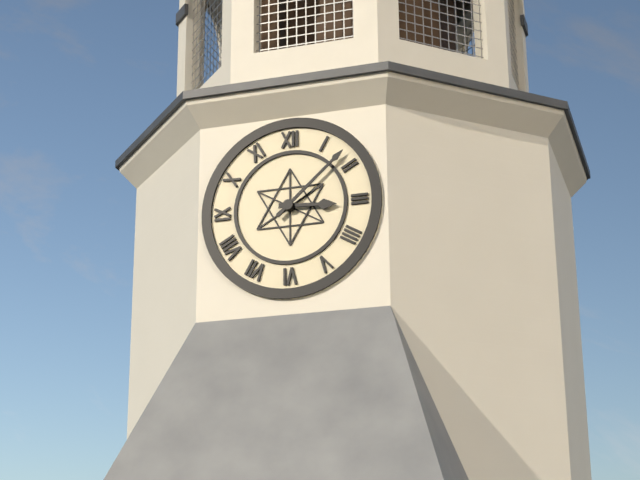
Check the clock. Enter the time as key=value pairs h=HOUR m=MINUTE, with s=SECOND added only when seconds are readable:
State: h=3 m=8
